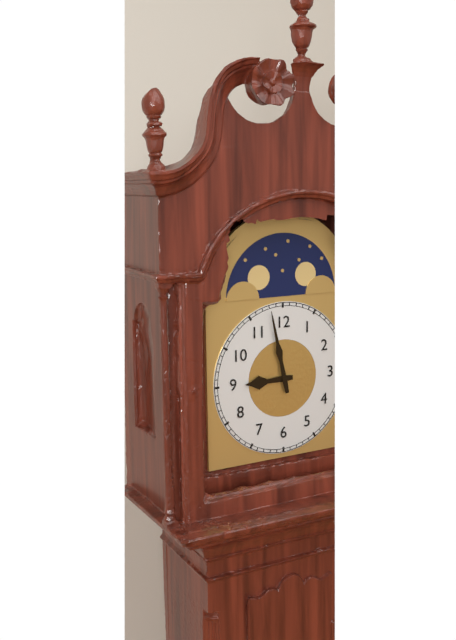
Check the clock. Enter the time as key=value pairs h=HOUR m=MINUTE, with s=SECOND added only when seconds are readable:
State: h=8 m=58
